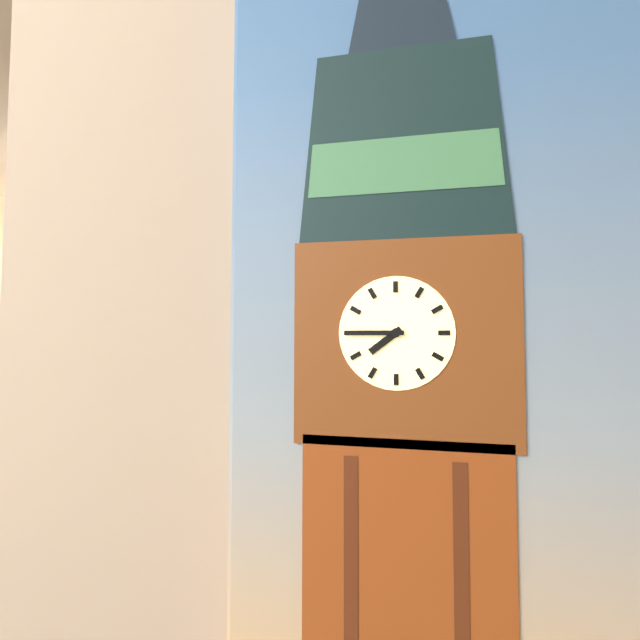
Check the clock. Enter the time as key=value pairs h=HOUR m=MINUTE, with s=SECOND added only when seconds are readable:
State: h=7 m=45
